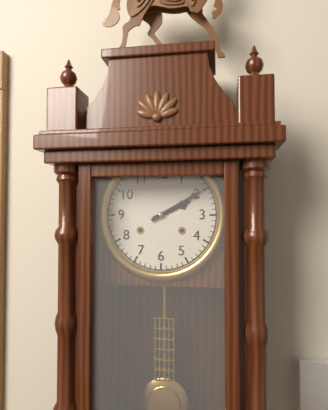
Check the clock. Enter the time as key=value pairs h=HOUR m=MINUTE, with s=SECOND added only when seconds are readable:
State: h=2 m=10
